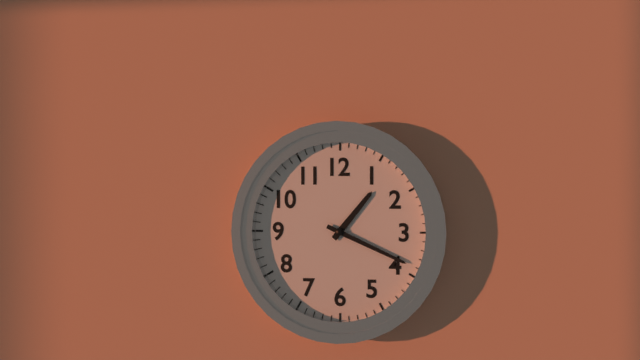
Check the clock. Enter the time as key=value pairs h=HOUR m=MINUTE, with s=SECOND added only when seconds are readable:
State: h=1 m=19
